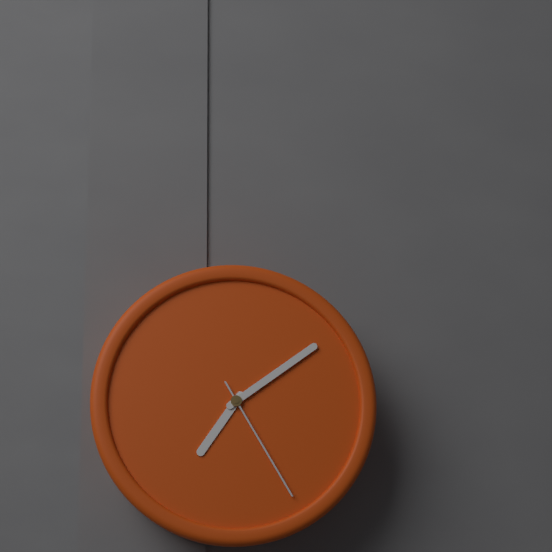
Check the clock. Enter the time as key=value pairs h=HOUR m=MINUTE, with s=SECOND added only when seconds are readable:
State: h=7 m=9 s=25
